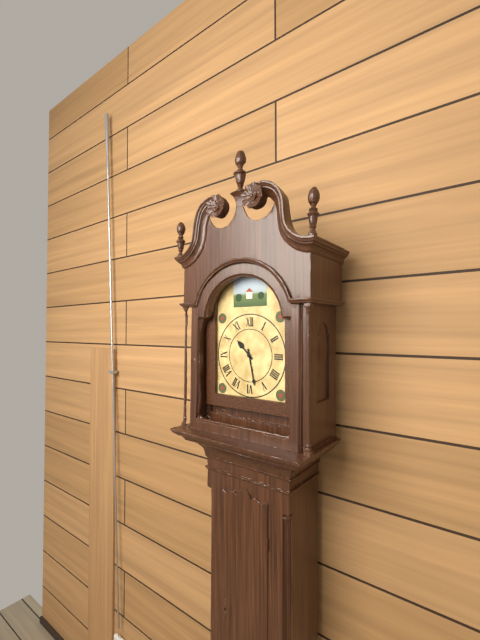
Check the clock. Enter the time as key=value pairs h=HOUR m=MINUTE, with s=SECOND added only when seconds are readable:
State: h=10 m=28
